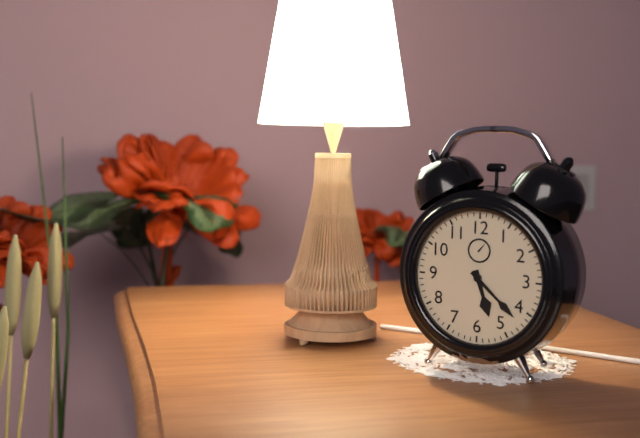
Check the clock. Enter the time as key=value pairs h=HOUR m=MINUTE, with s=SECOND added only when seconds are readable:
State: h=5 m=22
